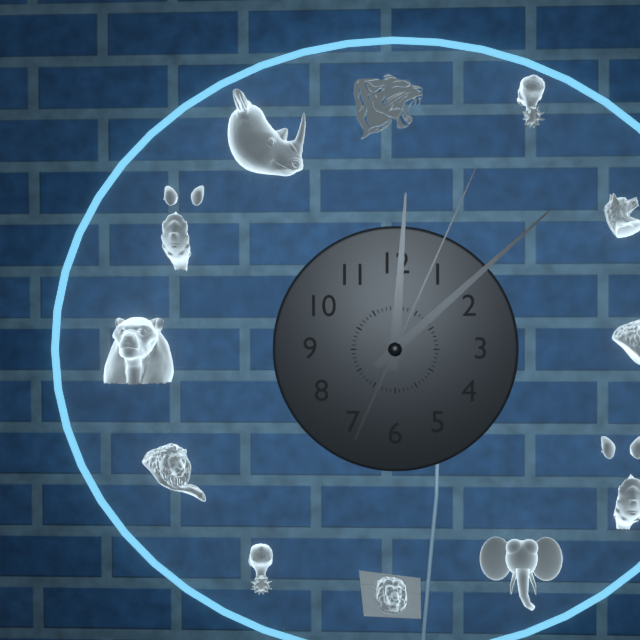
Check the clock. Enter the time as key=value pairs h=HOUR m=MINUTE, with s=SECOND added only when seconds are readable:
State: h=12 m=8 s=4
